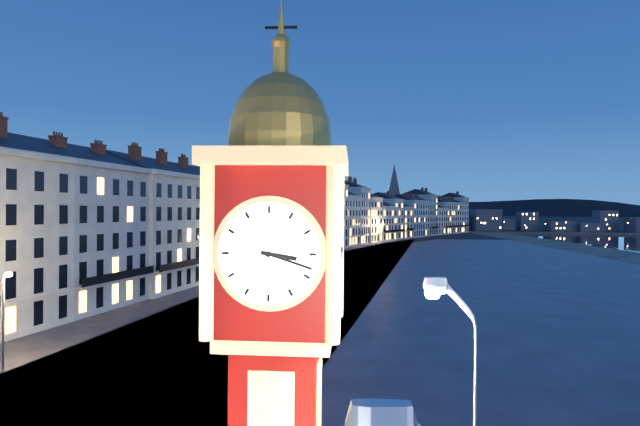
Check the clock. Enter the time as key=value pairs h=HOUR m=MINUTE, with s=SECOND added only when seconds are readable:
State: h=3 m=18
